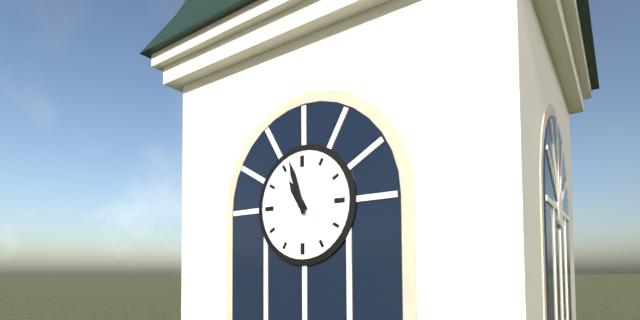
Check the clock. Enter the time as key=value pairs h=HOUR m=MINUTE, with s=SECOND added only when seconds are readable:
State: h=10 m=57
